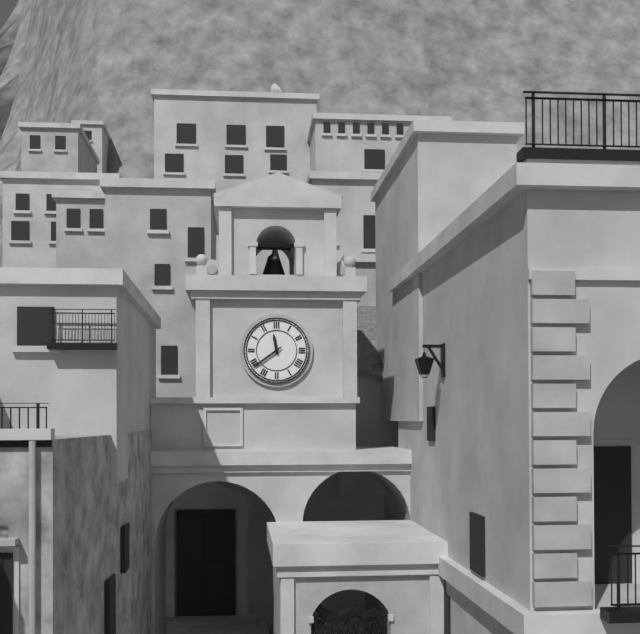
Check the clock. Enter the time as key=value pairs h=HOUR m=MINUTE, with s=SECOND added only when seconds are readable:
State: h=11 m=39
